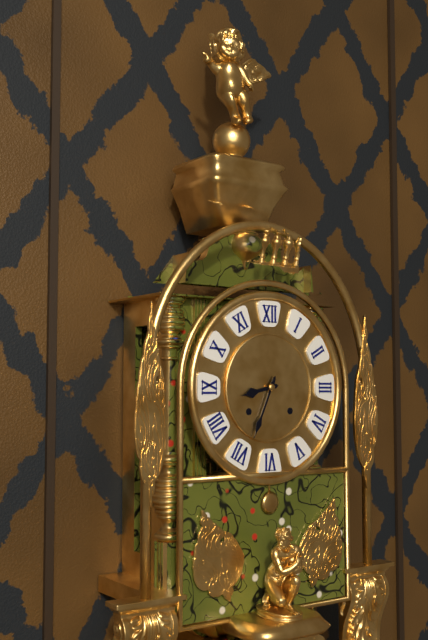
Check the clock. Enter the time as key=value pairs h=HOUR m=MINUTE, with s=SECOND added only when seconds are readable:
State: h=8 m=34
